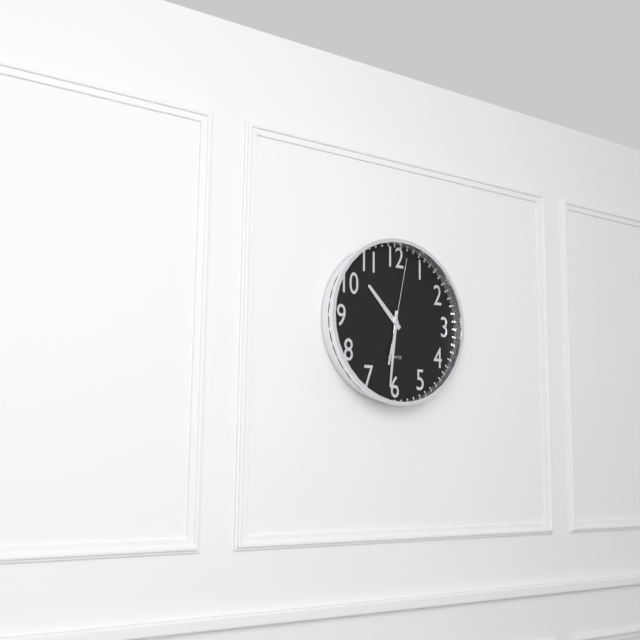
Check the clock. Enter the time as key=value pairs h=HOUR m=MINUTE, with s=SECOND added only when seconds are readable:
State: h=10 m=31 s=2
